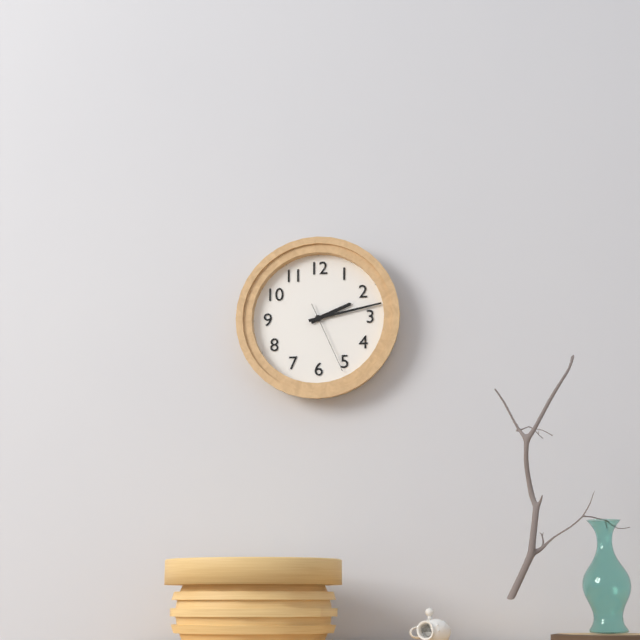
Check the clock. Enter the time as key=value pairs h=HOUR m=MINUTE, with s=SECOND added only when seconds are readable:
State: h=2 m=13 s=26
